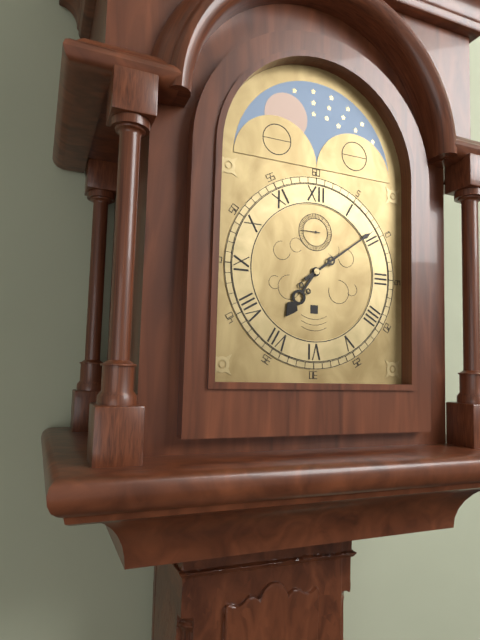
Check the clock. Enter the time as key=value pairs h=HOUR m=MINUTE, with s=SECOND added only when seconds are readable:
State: h=7 m=9
